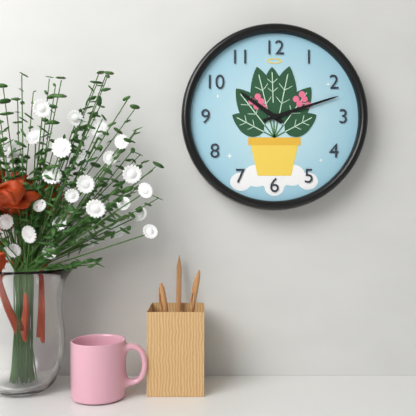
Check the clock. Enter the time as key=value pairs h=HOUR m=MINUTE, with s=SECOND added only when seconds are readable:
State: h=10 m=12
